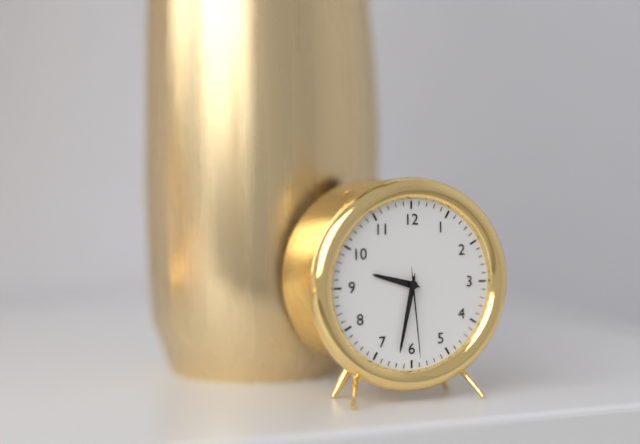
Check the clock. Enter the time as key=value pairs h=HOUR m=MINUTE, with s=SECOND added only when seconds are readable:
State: h=9 m=32 s=29
